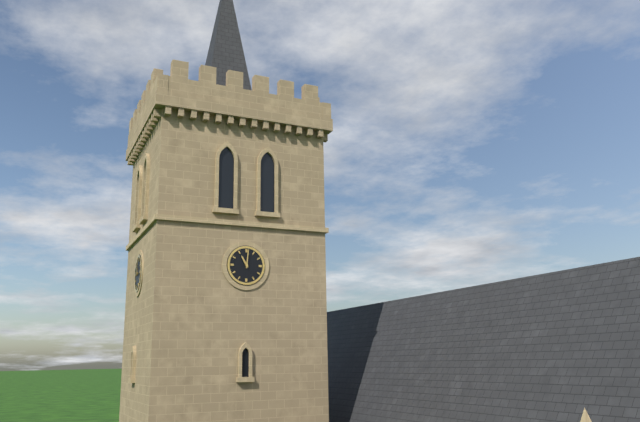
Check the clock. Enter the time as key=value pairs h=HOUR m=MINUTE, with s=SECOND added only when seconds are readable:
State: h=11 m=1
